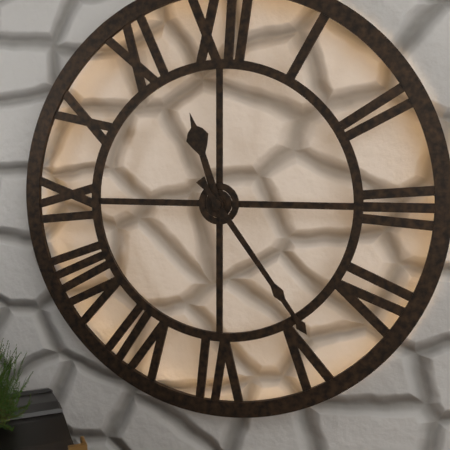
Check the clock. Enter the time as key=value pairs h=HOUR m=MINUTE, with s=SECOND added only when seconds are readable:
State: h=11 m=24
